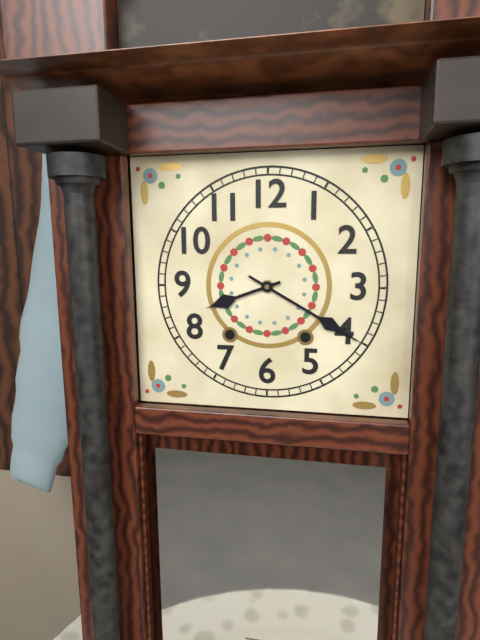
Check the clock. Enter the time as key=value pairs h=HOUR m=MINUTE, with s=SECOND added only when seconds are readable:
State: h=8 m=20
